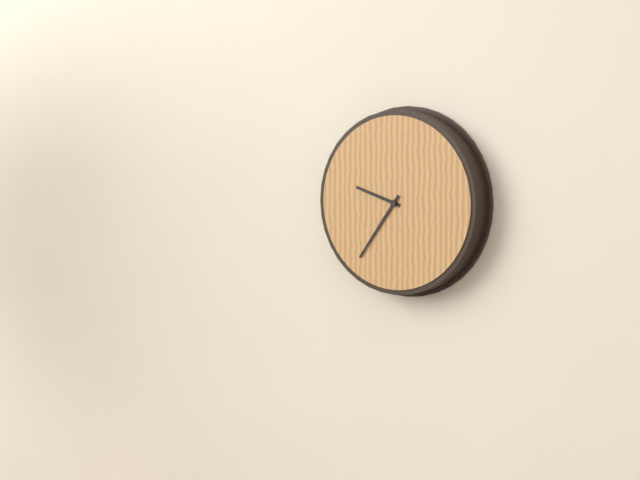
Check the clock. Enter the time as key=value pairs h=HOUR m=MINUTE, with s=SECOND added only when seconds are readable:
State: h=9 m=36
